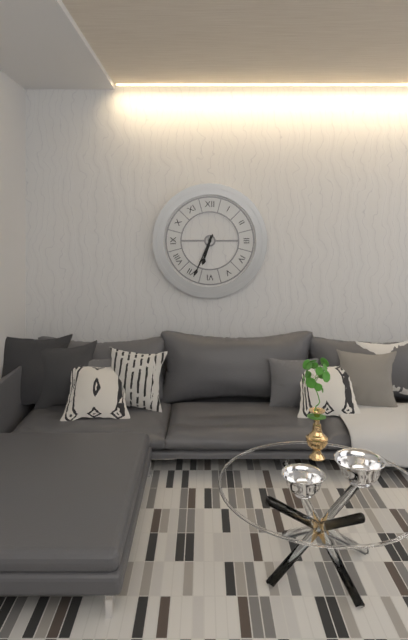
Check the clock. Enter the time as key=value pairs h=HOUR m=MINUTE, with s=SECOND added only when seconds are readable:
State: h=6 m=34
